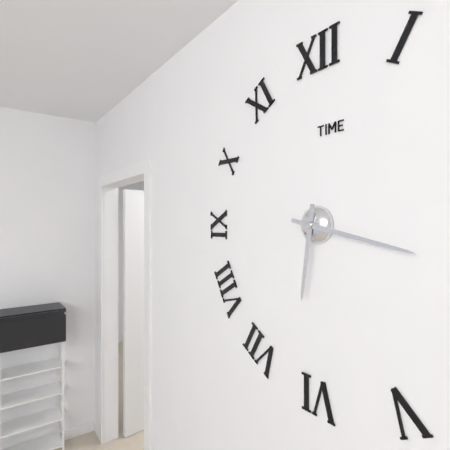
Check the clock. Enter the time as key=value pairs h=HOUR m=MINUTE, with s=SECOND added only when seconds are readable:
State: h=6 m=17
